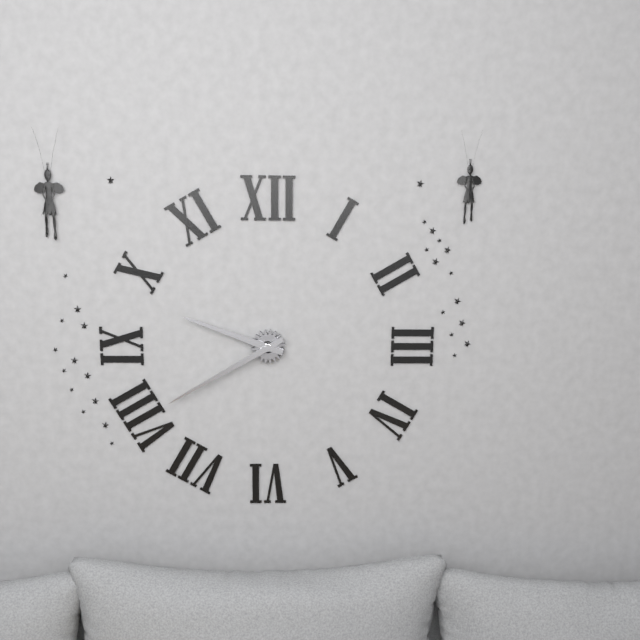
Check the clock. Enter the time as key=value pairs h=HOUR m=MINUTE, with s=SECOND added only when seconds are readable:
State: h=9 m=40
